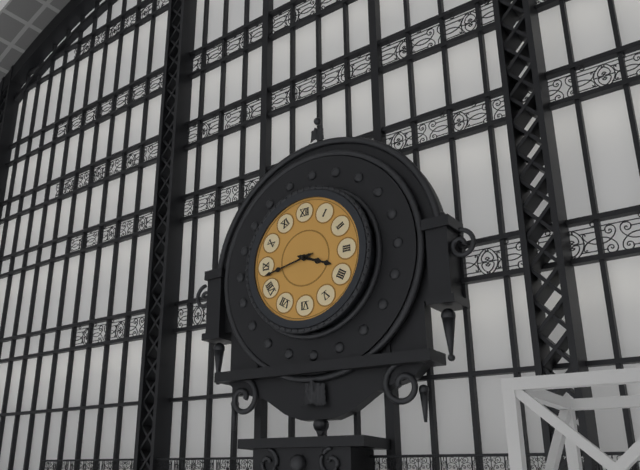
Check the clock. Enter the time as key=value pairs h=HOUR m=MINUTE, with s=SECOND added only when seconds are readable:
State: h=3 m=43
